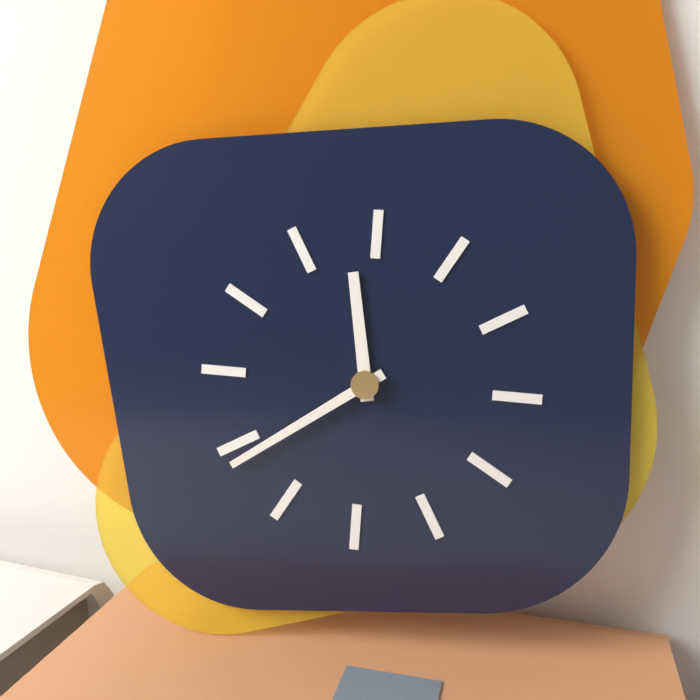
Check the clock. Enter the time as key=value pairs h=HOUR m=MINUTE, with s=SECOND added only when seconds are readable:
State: h=11 m=39
